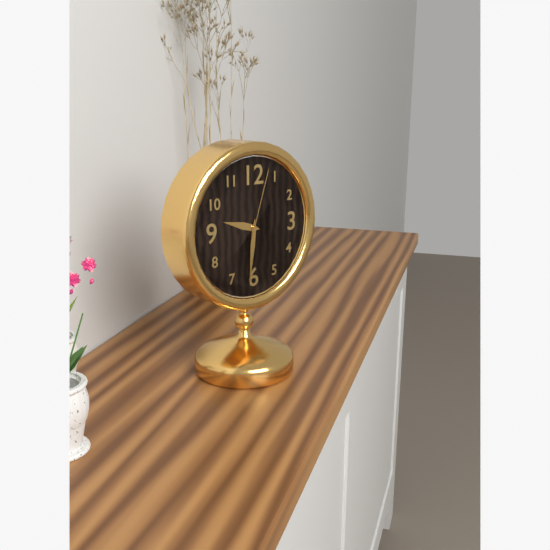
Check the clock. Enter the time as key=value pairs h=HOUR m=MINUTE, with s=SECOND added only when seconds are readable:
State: h=9 m=31 s=3
